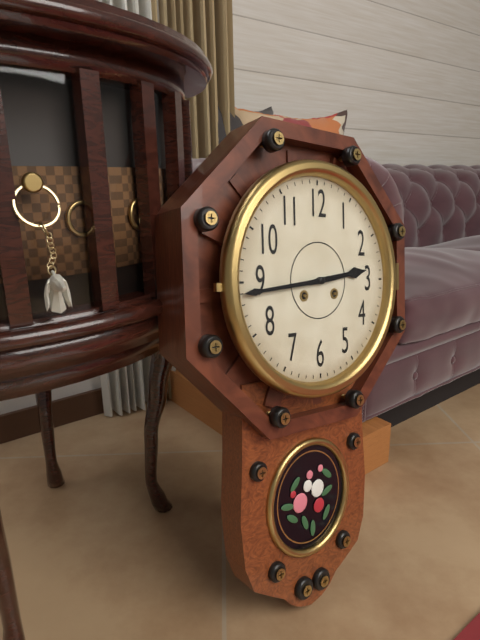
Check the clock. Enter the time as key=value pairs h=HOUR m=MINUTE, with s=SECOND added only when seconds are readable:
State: h=2 m=44
